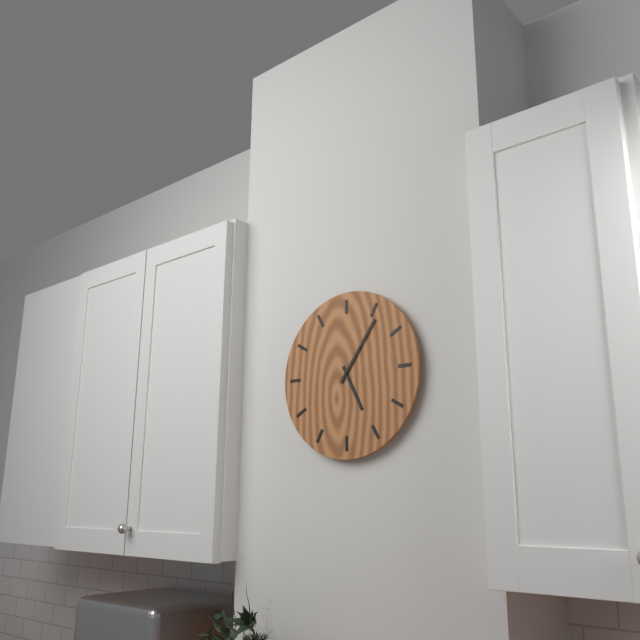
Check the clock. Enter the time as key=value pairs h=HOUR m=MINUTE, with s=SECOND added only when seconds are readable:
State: h=5 m=6
